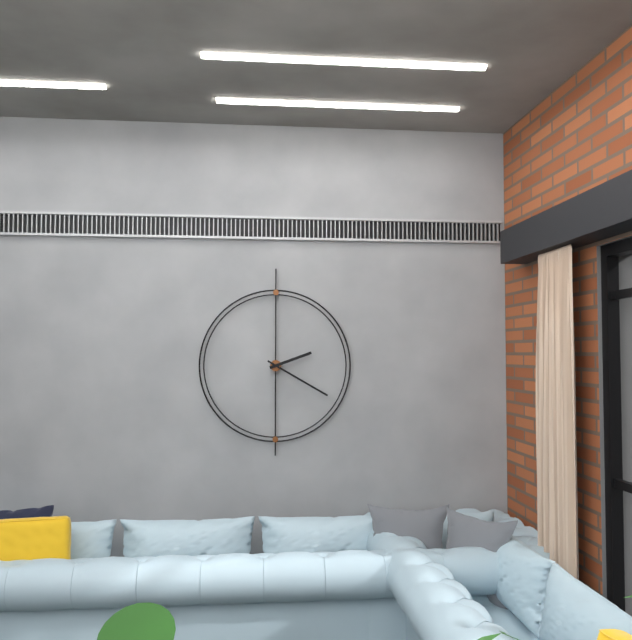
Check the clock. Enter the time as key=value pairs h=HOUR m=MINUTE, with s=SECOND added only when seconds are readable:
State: h=2 m=20
